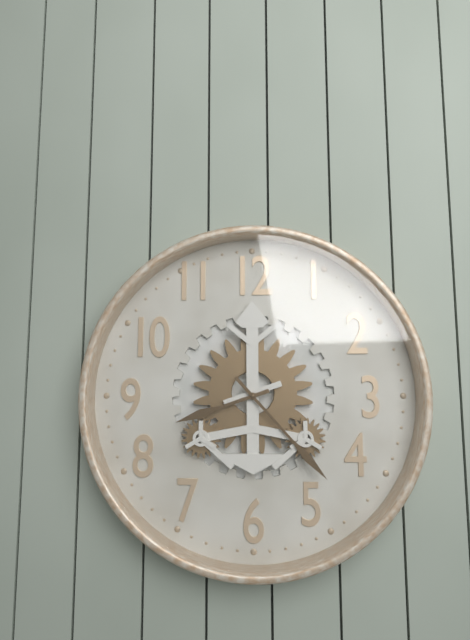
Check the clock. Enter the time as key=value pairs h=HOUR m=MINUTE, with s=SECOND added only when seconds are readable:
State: h=8 m=23
